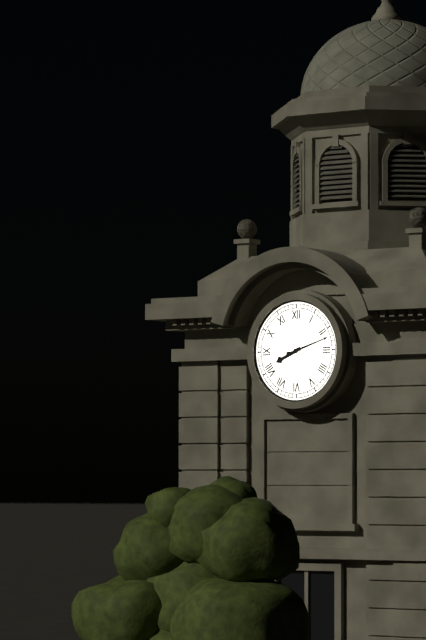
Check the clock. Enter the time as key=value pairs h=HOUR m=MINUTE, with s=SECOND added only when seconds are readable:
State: h=8 m=12
